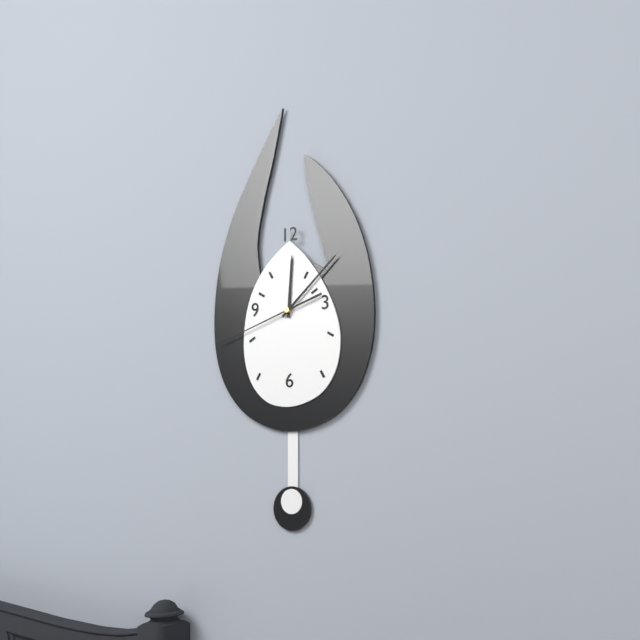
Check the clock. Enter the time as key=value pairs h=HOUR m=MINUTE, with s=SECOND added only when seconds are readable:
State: h=12 m=8 s=42
